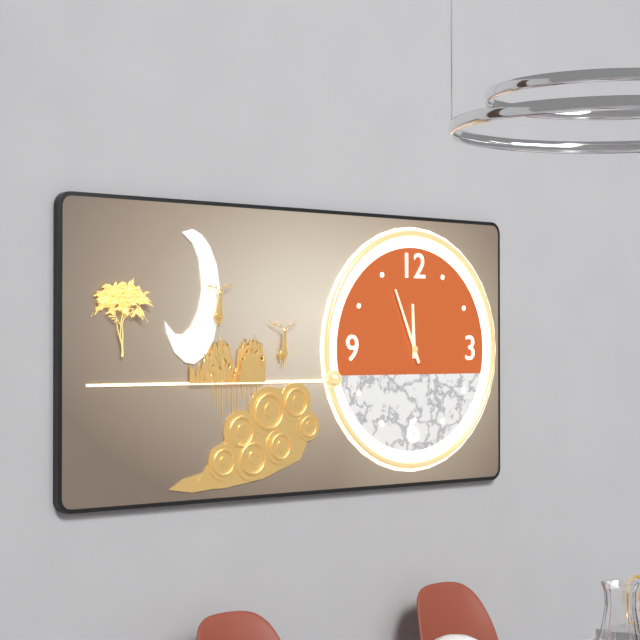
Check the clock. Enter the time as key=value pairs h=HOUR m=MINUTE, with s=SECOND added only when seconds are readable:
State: h=11 m=56
